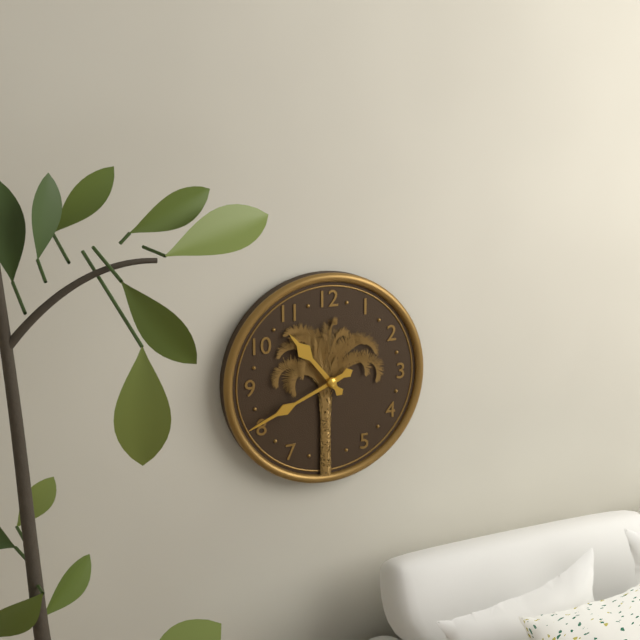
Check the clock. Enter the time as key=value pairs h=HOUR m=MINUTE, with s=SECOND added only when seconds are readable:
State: h=10 m=41
